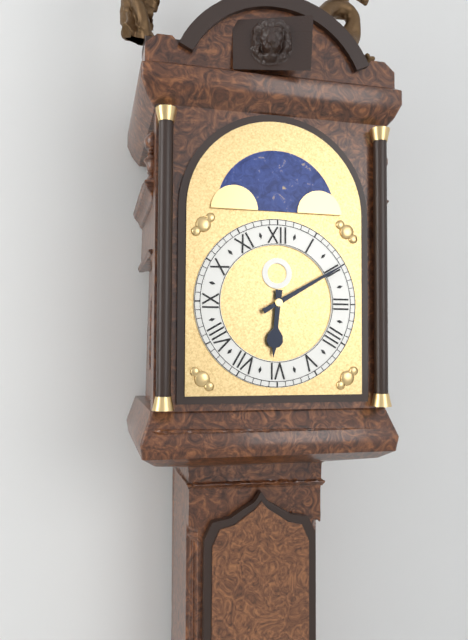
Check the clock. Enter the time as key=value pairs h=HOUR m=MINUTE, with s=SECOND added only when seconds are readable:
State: h=6 m=10
